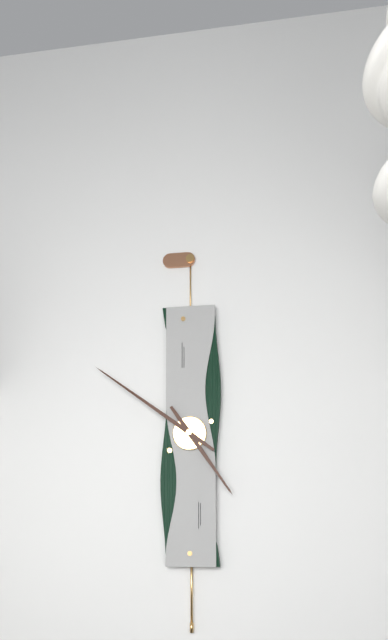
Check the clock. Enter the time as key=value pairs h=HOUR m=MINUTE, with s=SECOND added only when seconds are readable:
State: h=4 m=51
